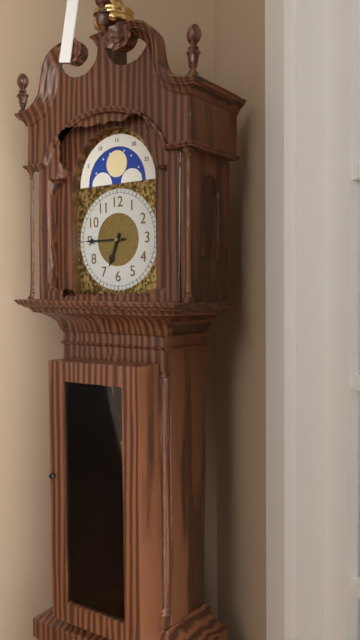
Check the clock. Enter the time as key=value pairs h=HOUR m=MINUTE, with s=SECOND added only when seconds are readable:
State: h=6 m=45
